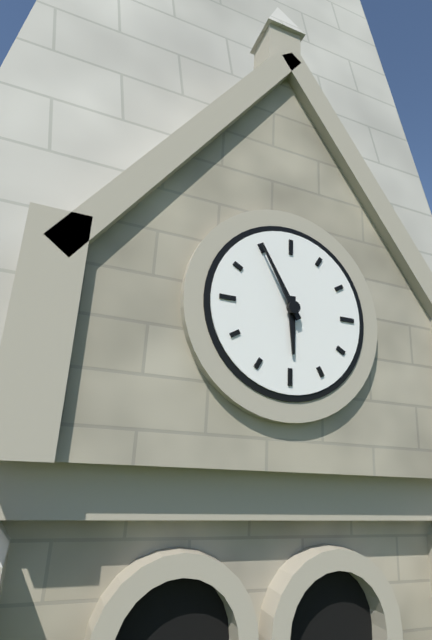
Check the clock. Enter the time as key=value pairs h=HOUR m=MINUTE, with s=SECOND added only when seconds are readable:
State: h=5 m=55
